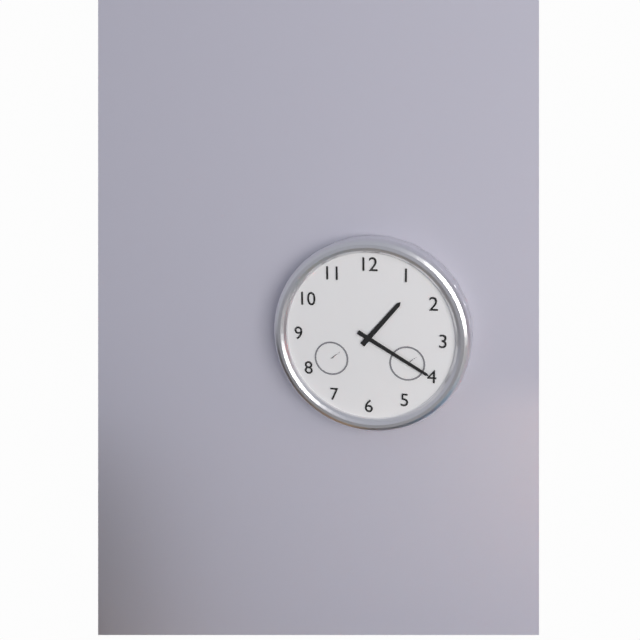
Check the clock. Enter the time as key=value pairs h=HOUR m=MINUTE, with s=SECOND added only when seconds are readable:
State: h=1 m=20
